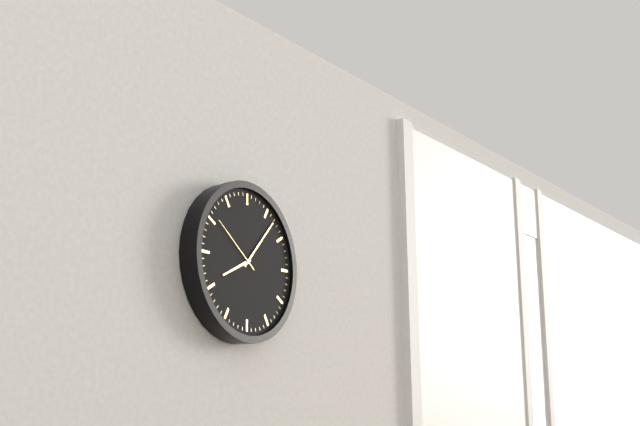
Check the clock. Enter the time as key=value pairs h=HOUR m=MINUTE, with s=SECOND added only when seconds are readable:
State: h=8 m=7 s=51
